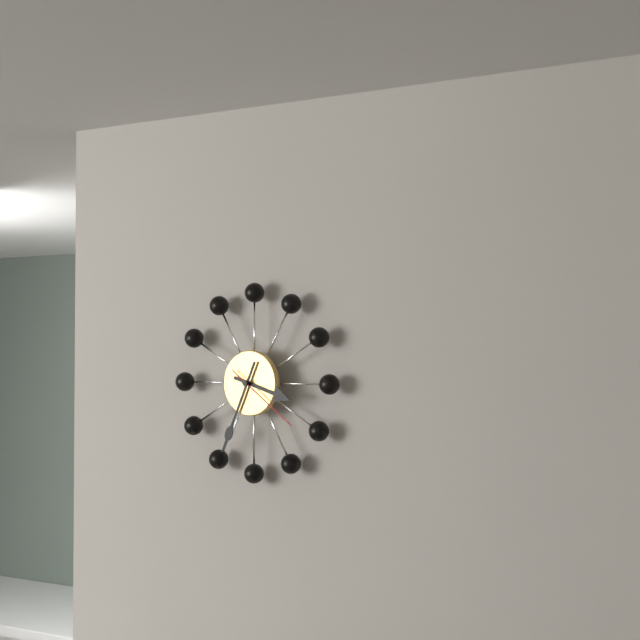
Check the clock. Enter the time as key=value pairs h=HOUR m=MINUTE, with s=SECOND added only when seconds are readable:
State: h=3 m=34 s=21
